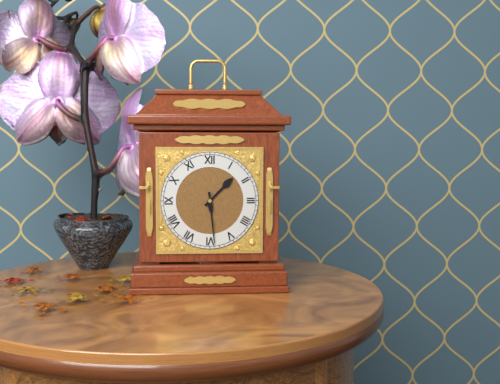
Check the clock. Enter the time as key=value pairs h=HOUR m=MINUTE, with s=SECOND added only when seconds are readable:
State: h=1 m=29
